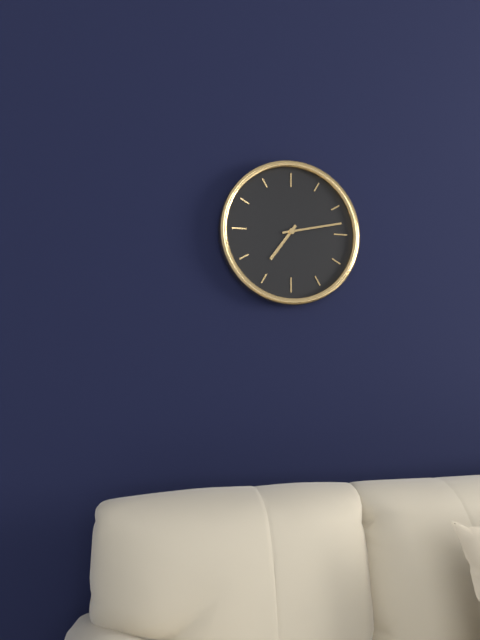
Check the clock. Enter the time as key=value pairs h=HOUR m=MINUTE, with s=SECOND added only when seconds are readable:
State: h=7 m=13
